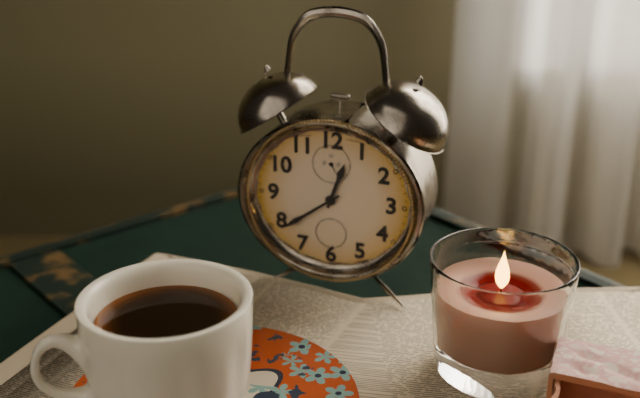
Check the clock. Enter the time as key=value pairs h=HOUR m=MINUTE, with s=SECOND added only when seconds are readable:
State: h=12 m=39
